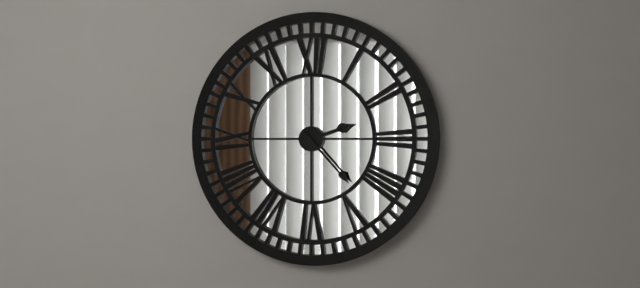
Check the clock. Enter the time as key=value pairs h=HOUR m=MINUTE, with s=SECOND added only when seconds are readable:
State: h=2 m=23
